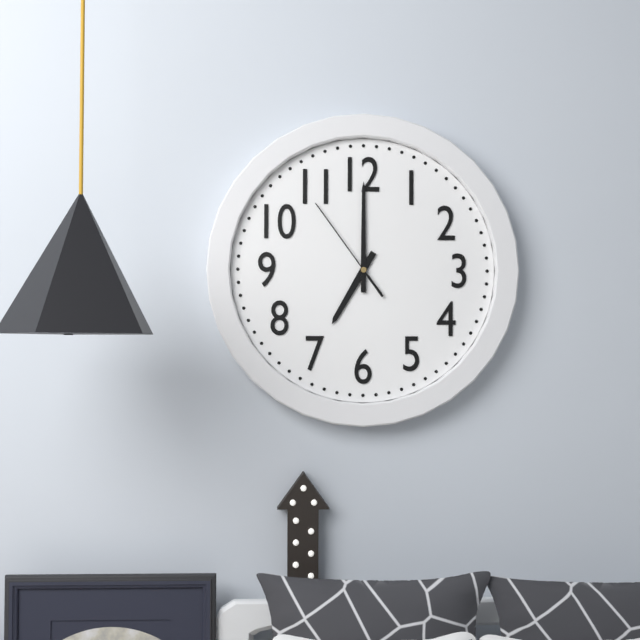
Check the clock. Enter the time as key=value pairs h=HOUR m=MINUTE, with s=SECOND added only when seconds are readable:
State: h=7 m=0 s=54
